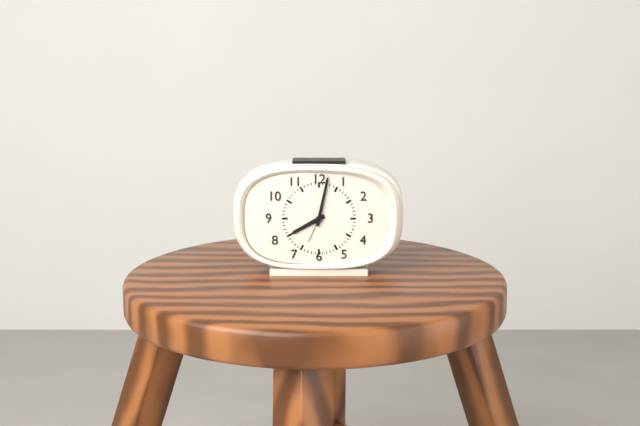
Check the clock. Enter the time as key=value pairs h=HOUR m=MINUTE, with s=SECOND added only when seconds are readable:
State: h=8 m=2
